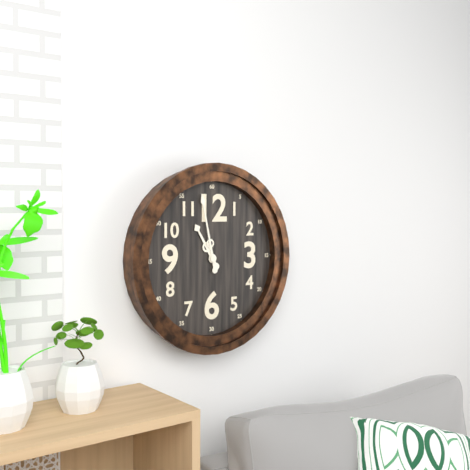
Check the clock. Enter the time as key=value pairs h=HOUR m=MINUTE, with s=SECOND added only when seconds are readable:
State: h=10 m=58
